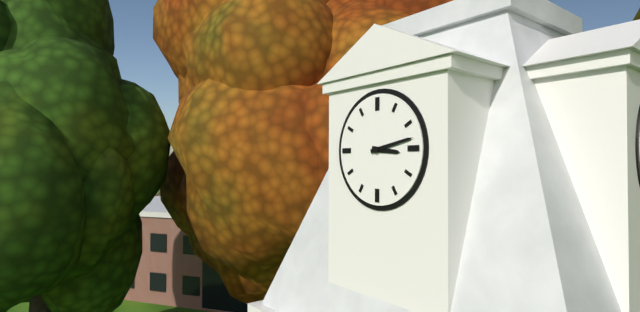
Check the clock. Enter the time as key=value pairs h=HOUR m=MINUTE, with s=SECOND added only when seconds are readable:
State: h=3 m=13
